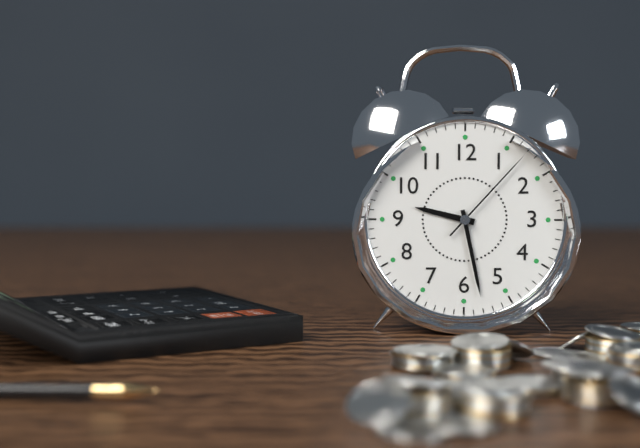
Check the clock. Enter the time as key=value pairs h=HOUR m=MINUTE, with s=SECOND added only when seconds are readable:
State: h=9 m=28 s=7
